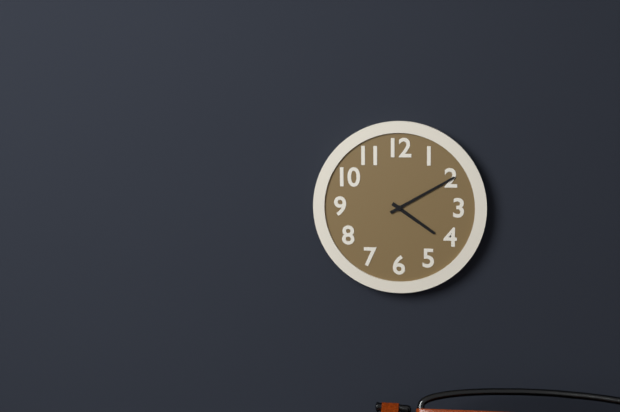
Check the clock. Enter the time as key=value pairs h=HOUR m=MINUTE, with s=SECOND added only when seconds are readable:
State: h=4 m=10
